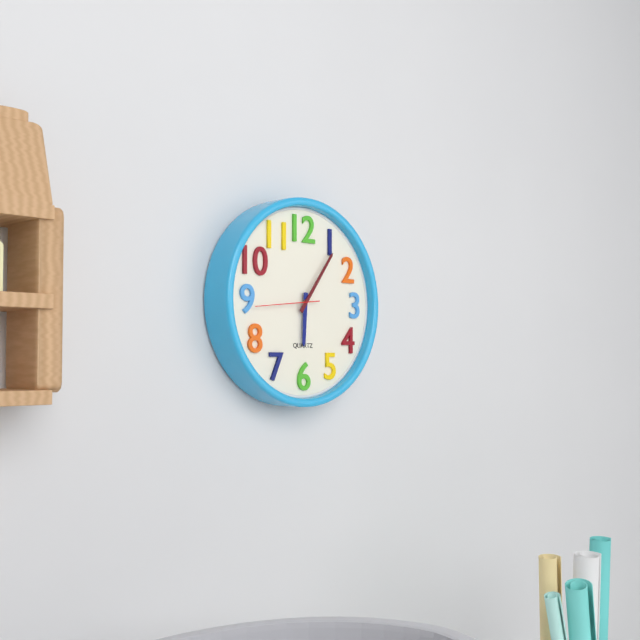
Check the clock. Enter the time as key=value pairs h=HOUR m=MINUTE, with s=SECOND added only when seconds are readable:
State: h=6 m=6 s=44
